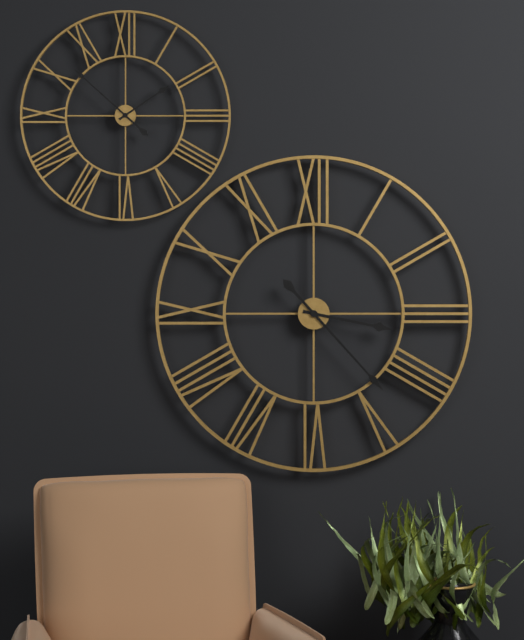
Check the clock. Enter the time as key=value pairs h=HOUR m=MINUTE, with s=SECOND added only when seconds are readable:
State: h=3 m=23
